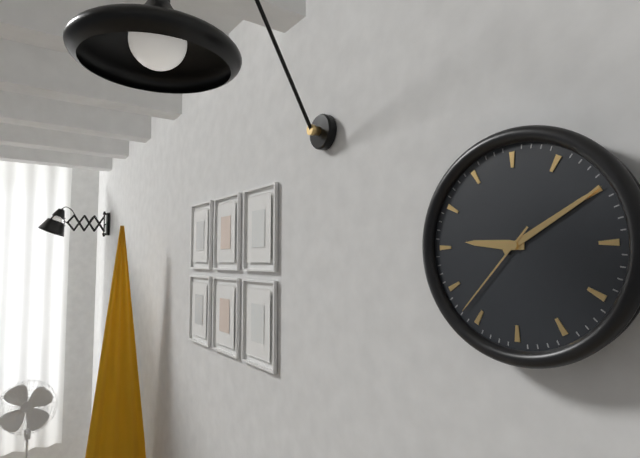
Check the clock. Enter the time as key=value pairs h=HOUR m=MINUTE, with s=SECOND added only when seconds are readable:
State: h=9 m=10 s=37
